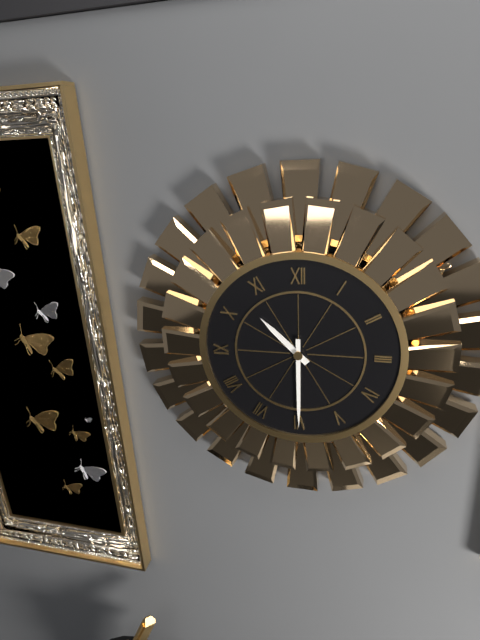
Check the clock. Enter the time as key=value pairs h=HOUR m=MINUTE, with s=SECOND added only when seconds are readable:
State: h=10 m=30
